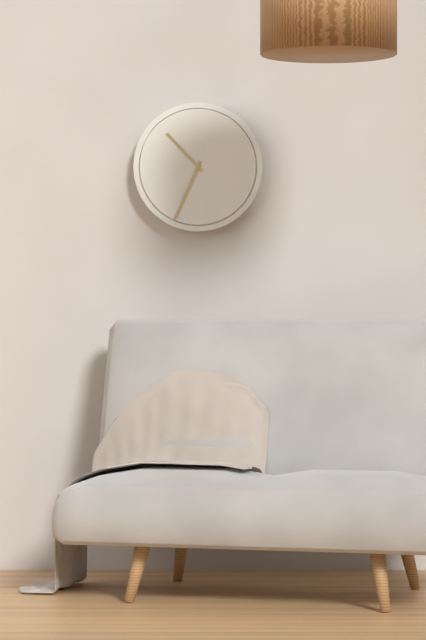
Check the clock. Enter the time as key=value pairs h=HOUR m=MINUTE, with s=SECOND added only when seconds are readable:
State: h=10 m=34
